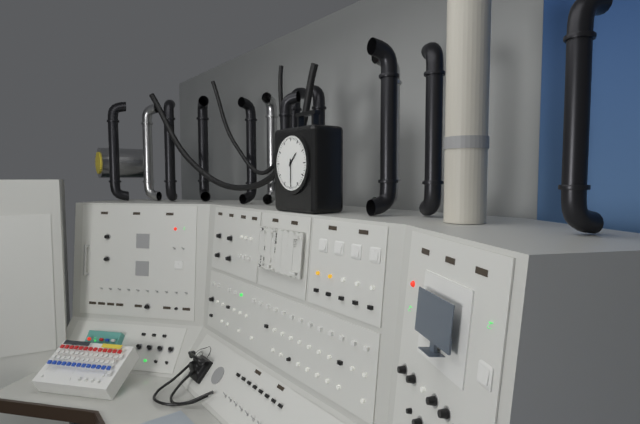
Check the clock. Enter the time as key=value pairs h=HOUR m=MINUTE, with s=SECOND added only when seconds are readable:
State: h=1 m=30
